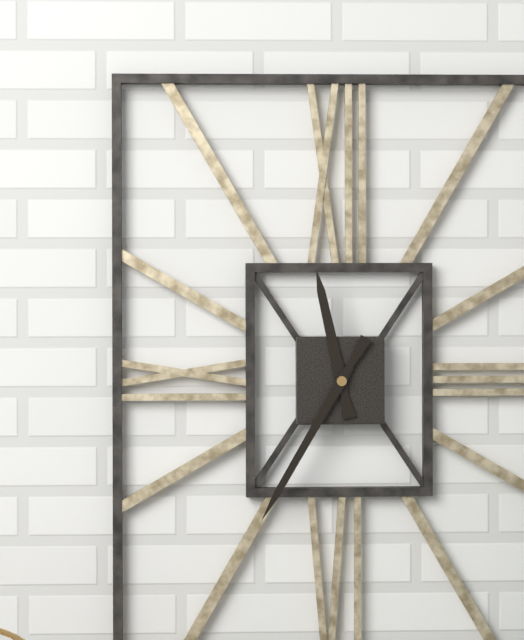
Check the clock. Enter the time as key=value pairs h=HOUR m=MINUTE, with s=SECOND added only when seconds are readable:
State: h=11 m=35
